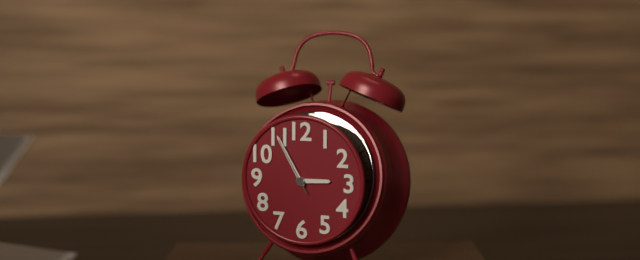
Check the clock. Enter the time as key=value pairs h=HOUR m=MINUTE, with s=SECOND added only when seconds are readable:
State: h=2 m=55 s=55
